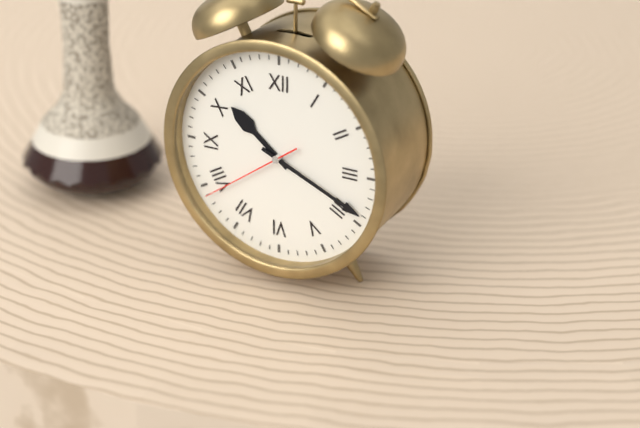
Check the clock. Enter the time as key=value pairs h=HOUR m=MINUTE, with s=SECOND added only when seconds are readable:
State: h=10 m=19 s=39
